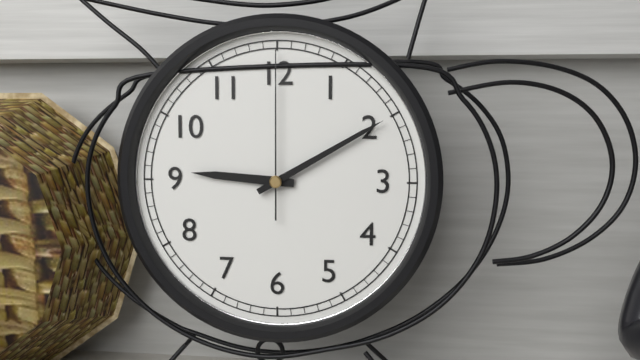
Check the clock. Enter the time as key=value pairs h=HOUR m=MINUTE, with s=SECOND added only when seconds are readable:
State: h=9 m=10 s=0
